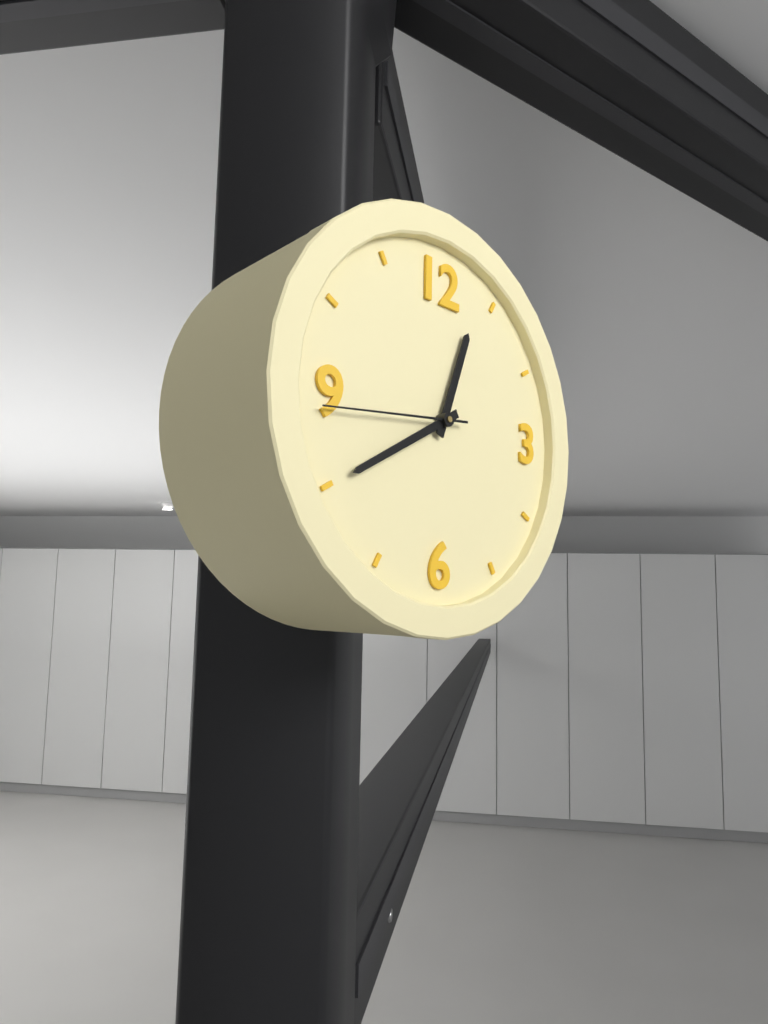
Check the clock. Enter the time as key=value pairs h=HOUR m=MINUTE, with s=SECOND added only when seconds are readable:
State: h=12 m=40 s=44
